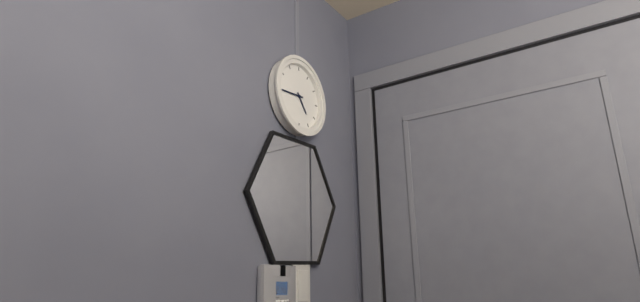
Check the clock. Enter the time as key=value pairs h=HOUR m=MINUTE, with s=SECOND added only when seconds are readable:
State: h=4 m=44
